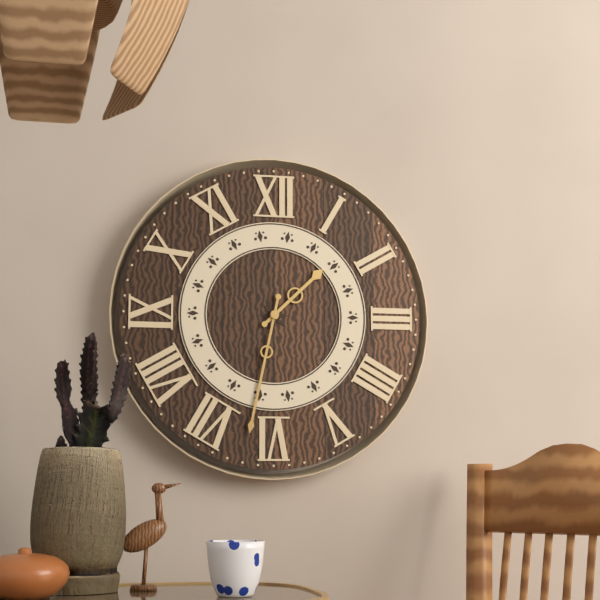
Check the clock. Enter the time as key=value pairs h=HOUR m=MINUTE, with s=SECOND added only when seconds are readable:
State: h=1 m=32
